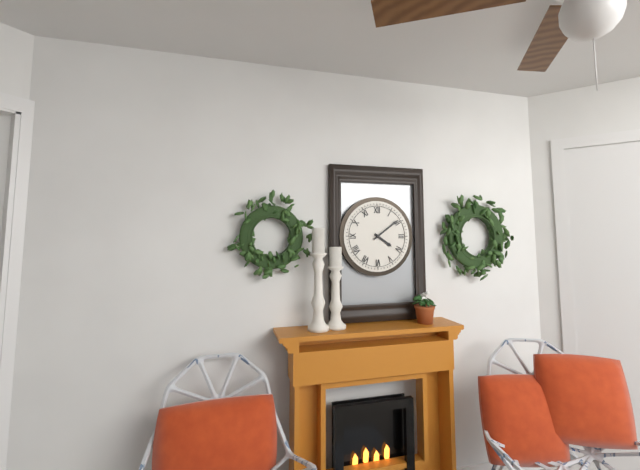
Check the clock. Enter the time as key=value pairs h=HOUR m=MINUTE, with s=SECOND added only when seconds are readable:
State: h=4 m=9
